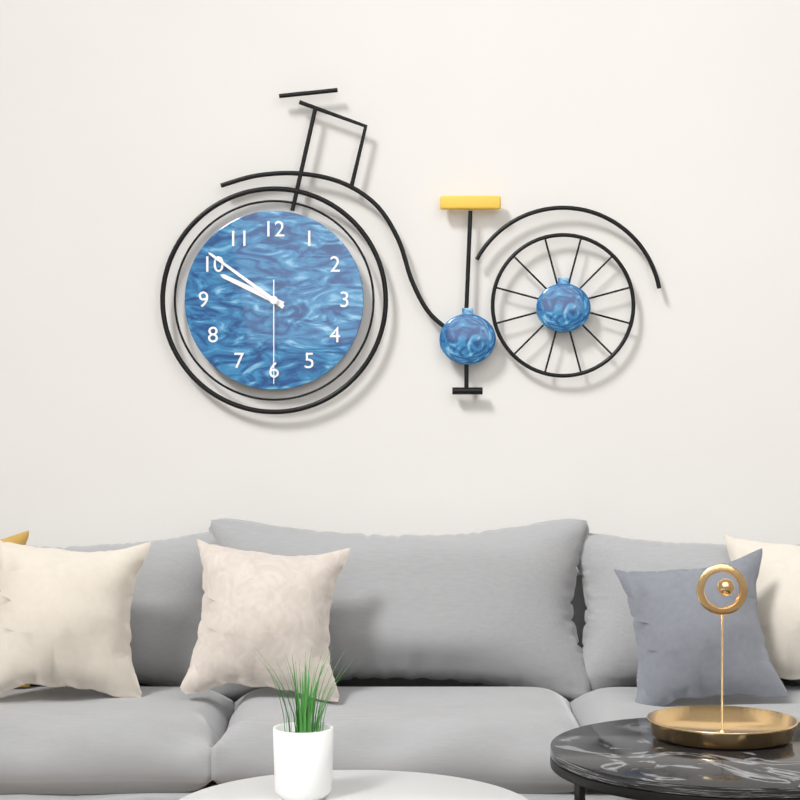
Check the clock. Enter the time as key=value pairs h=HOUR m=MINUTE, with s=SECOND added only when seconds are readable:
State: h=9 m=51 s=30
